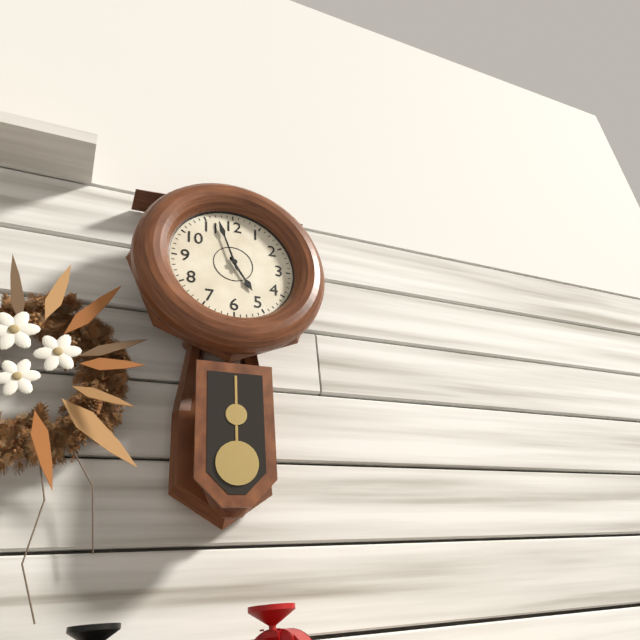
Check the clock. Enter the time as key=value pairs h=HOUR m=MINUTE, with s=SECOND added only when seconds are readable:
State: h=4 m=57
